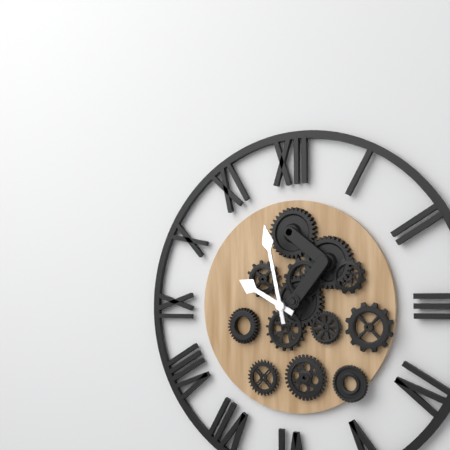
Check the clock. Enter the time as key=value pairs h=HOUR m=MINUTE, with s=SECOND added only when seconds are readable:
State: h=9 m=58
